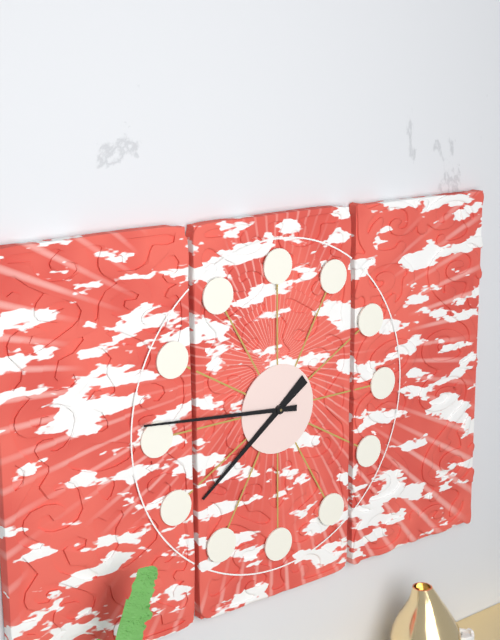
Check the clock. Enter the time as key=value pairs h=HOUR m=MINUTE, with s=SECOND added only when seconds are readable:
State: h=7 m=46
